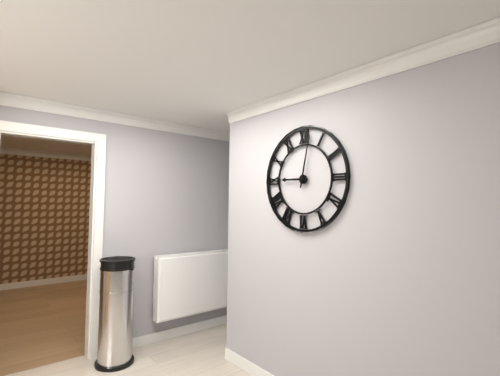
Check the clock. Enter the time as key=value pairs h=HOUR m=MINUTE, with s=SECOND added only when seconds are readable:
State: h=9 m=2
